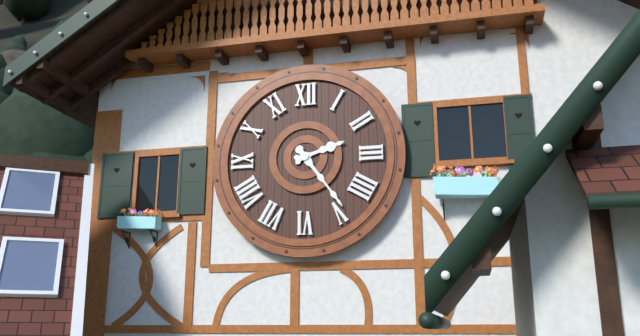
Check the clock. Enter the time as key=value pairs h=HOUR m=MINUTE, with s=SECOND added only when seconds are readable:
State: h=2 m=24
